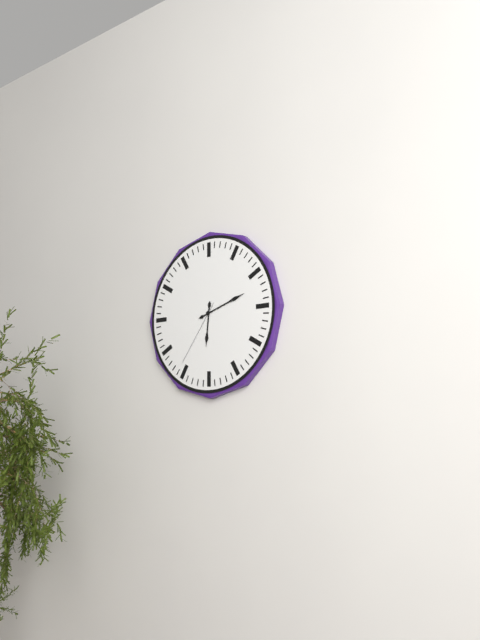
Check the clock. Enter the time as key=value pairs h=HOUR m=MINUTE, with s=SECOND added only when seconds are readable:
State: h=6 m=12 s=36
